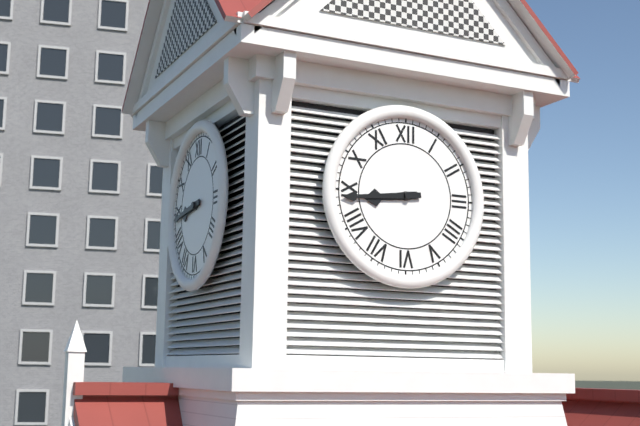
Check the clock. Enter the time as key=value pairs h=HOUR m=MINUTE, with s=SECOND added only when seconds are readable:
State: h=8 m=44
